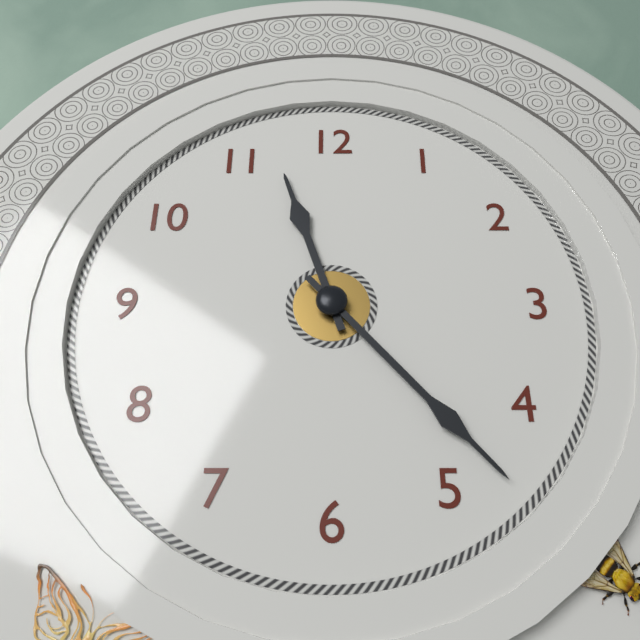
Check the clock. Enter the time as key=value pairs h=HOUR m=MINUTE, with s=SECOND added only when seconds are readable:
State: h=11 m=23
